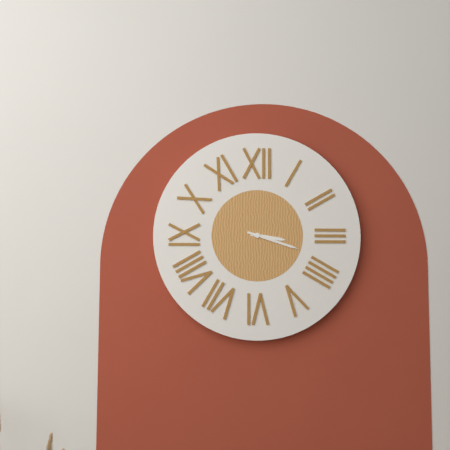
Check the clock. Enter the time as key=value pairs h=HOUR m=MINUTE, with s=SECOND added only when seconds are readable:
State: h=3 m=18
